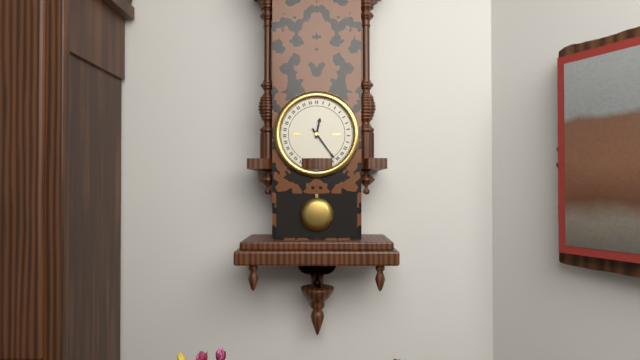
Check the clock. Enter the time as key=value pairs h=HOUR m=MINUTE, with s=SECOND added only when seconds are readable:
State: h=12 m=24
